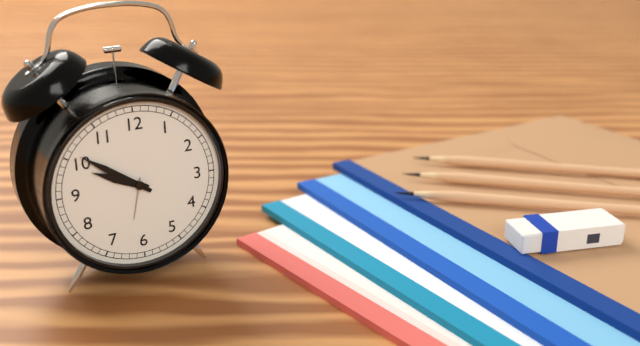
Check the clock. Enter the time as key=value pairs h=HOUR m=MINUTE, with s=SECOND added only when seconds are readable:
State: h=9 m=51
